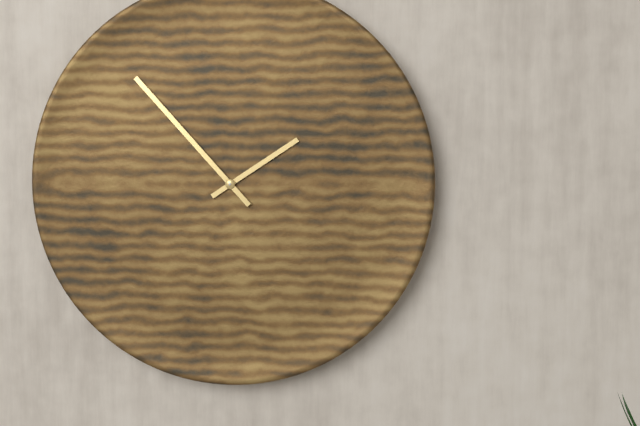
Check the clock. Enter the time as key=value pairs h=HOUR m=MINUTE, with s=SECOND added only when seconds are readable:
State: h=1 m=53
